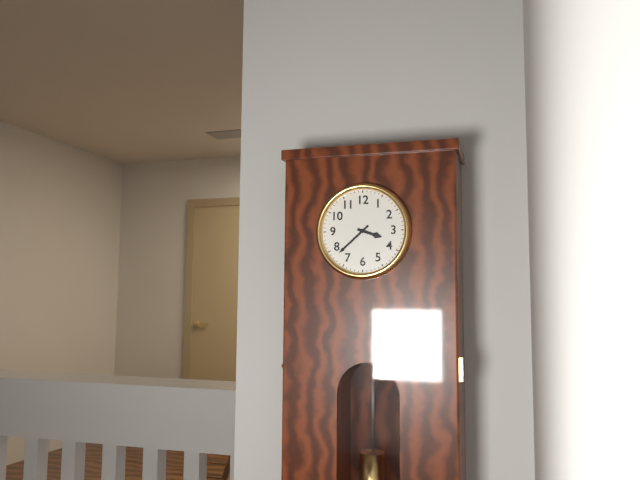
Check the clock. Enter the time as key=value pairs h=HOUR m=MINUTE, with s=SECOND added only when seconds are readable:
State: h=3 m=38
